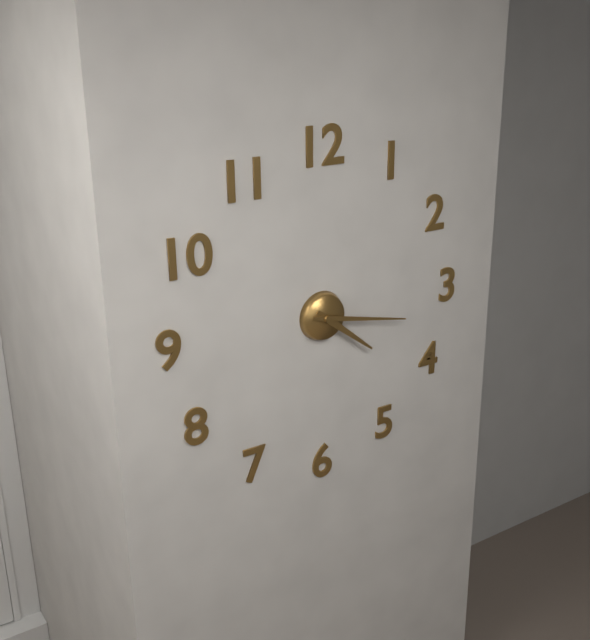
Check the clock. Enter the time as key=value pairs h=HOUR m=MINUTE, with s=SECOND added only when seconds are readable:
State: h=4 m=17
